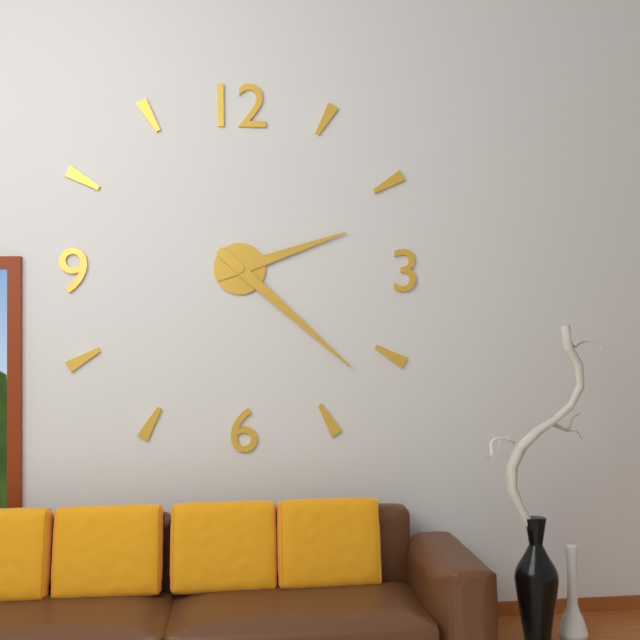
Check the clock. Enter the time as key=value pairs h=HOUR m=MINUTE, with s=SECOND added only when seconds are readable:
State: h=2 m=22
